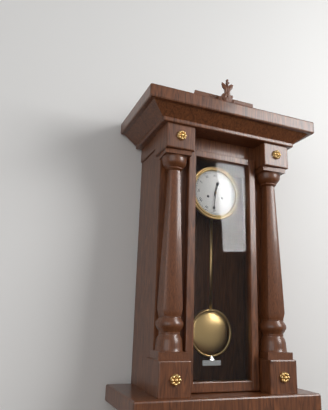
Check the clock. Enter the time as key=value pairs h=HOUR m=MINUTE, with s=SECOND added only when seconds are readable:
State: h=12 m=31
